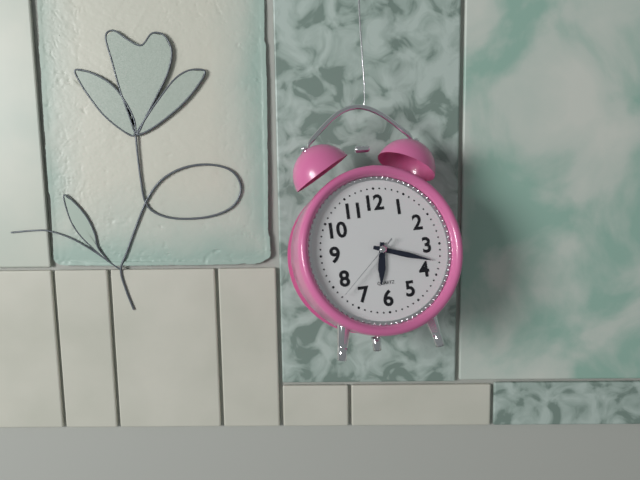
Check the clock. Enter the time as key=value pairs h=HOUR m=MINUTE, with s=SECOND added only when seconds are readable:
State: h=6 m=18 s=38
